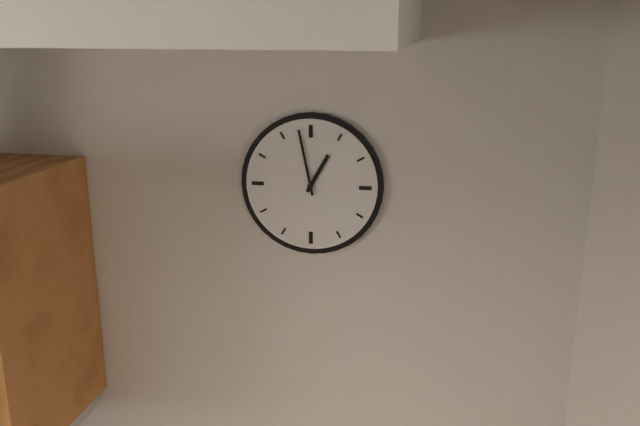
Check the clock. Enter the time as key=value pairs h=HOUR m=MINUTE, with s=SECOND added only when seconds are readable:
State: h=12 m=58
